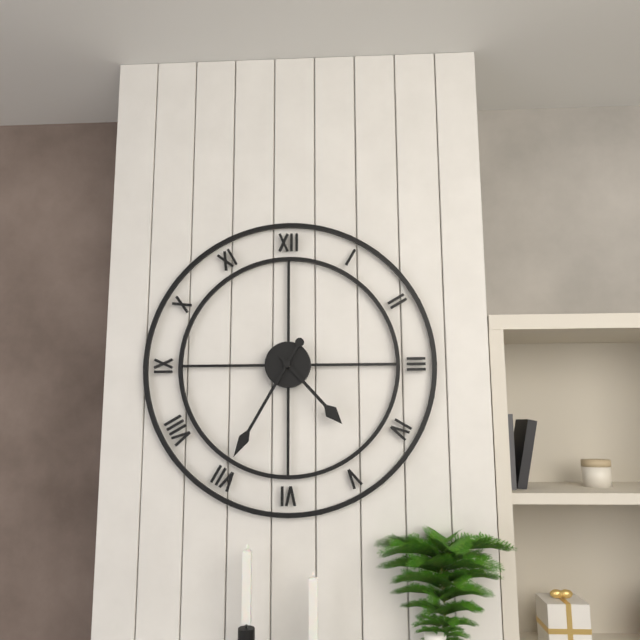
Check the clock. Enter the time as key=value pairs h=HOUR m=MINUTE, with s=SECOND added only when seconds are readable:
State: h=4 m=35
